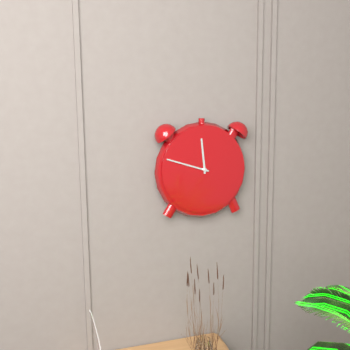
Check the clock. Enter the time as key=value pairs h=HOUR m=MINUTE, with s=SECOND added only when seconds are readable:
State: h=11 m=48
